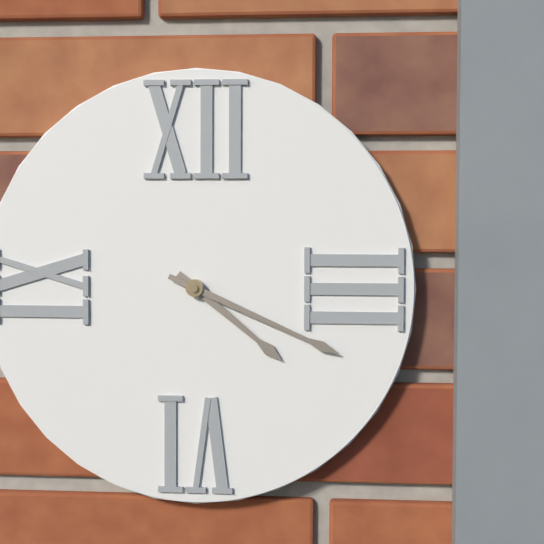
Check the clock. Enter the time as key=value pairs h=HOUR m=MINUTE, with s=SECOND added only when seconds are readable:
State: h=4 m=19
